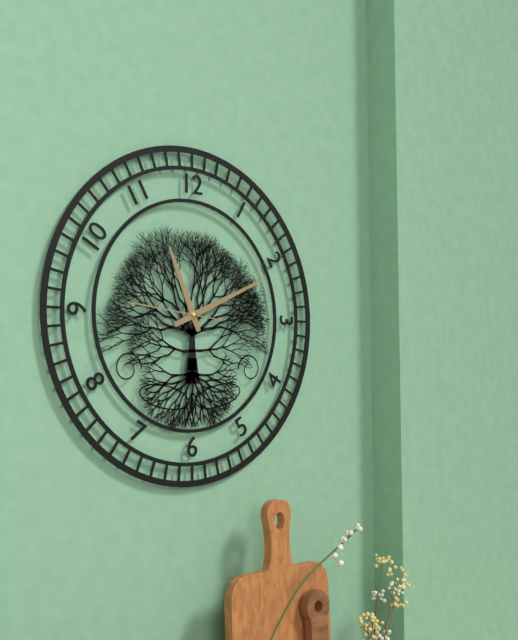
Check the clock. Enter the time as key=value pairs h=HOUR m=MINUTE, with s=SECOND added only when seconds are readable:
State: h=11 m=11 s=46
